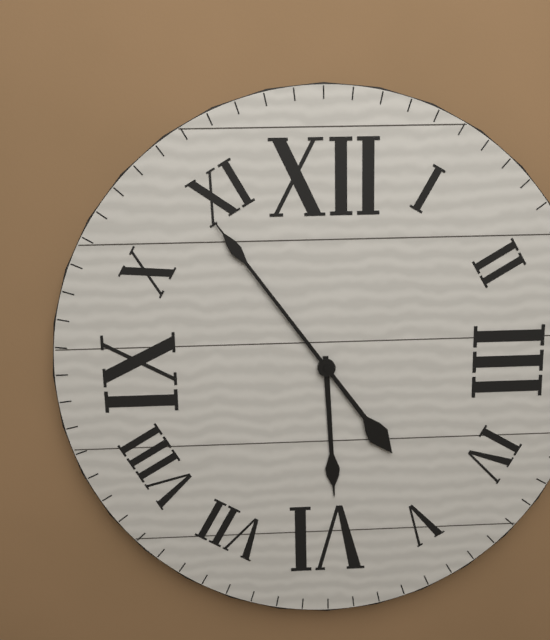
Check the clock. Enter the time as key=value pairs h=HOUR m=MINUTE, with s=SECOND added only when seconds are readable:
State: h=5 m=54
